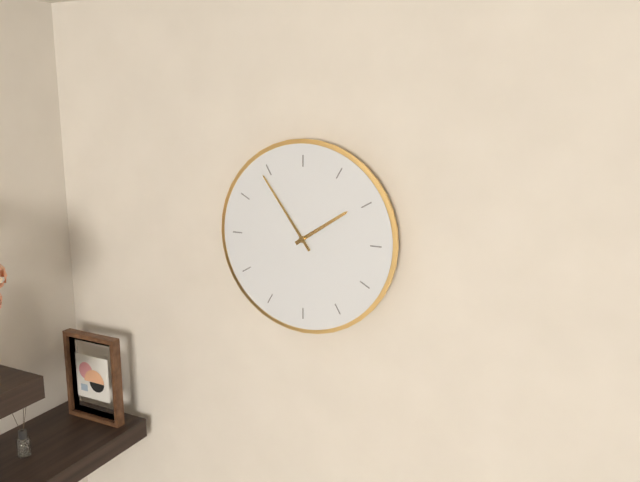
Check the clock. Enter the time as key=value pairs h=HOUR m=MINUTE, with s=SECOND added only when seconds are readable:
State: h=1 m=54
